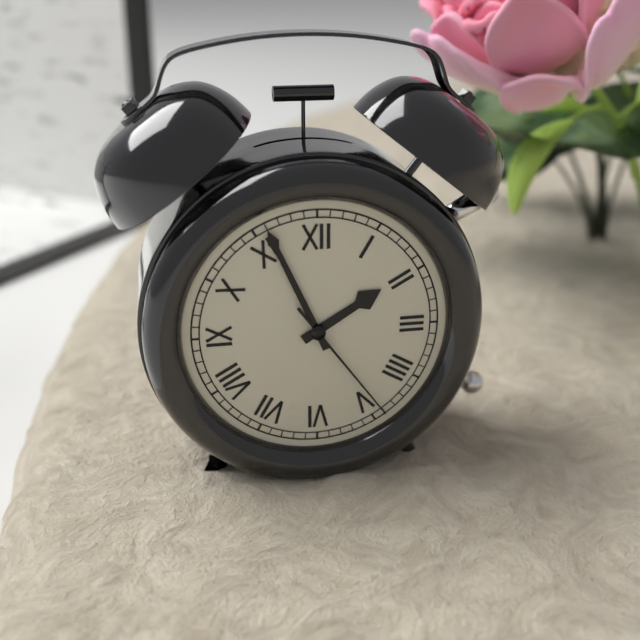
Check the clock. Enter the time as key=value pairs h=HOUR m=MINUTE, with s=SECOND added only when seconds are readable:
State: h=1 m=56 s=24
